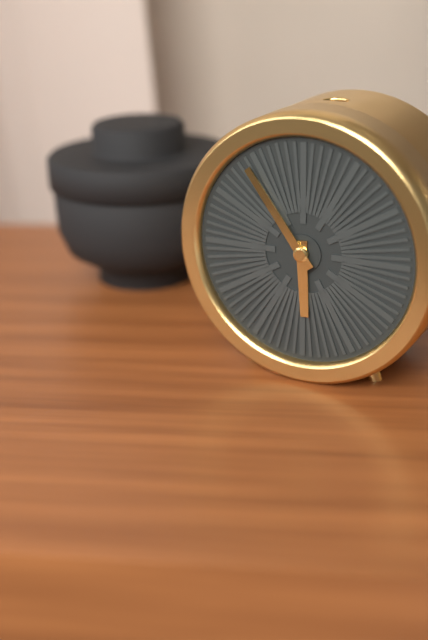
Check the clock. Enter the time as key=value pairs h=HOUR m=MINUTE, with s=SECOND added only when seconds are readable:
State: h=5 m=54
